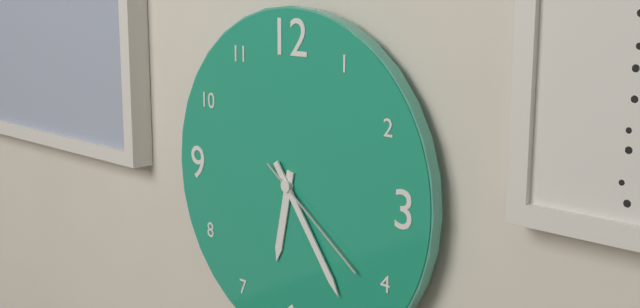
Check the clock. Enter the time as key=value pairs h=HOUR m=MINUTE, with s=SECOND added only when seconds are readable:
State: h=6 m=24 s=21
